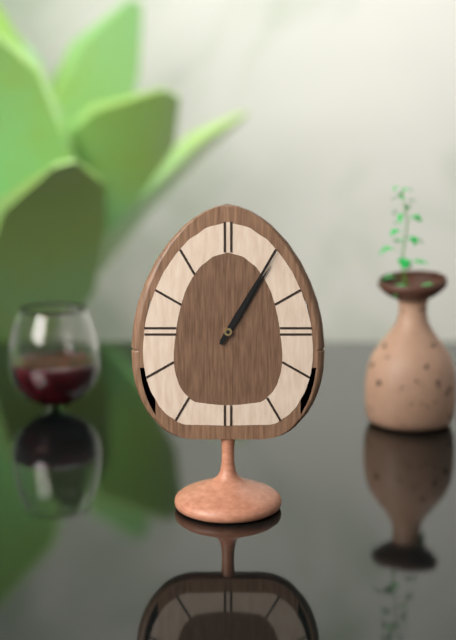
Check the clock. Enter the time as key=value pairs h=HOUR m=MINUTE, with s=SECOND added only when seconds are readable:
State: h=1 m=5
